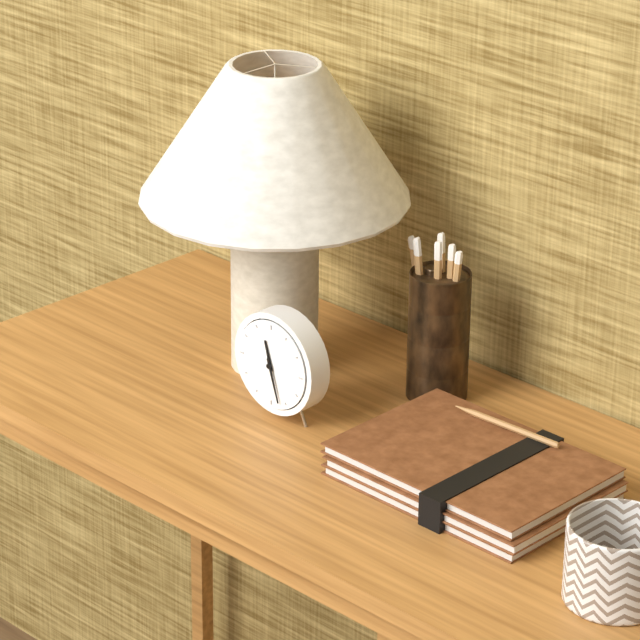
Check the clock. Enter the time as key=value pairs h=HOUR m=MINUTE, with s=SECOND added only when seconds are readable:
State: h=11 m=27
